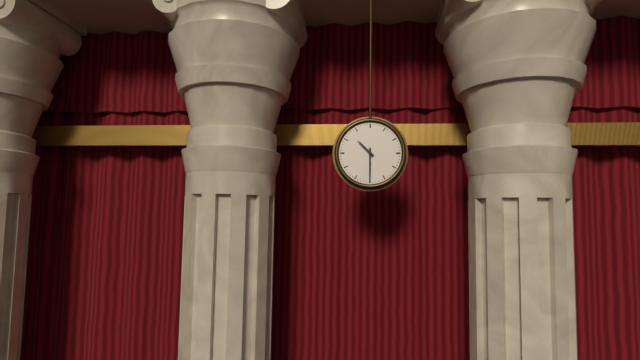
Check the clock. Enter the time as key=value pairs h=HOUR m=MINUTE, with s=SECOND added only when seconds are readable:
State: h=10 m=30
